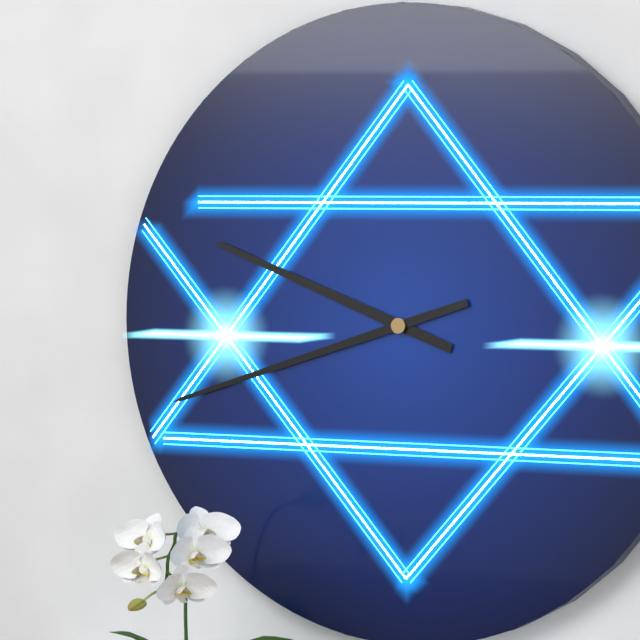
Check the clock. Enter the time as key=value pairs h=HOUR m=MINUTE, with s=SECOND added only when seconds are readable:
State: h=9 m=42
